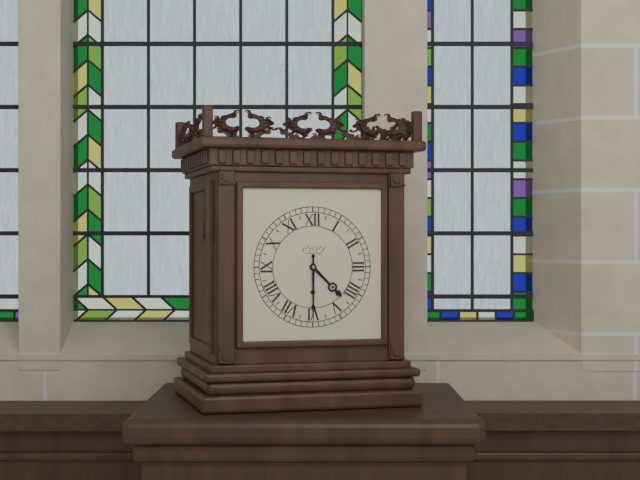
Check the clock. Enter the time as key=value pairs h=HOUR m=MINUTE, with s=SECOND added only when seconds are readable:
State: h=4 m=30
